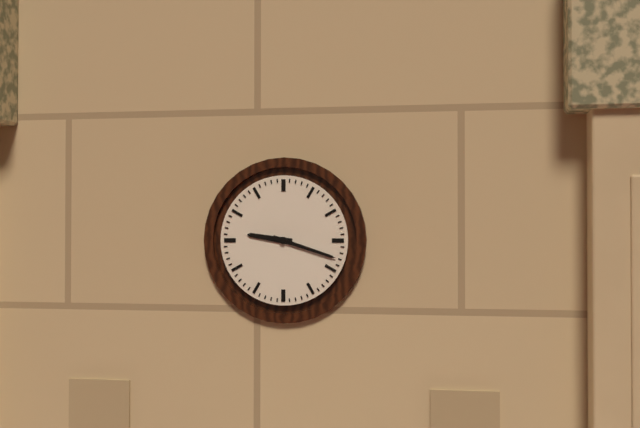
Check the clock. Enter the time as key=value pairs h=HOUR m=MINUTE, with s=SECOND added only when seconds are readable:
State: h=9 m=18
